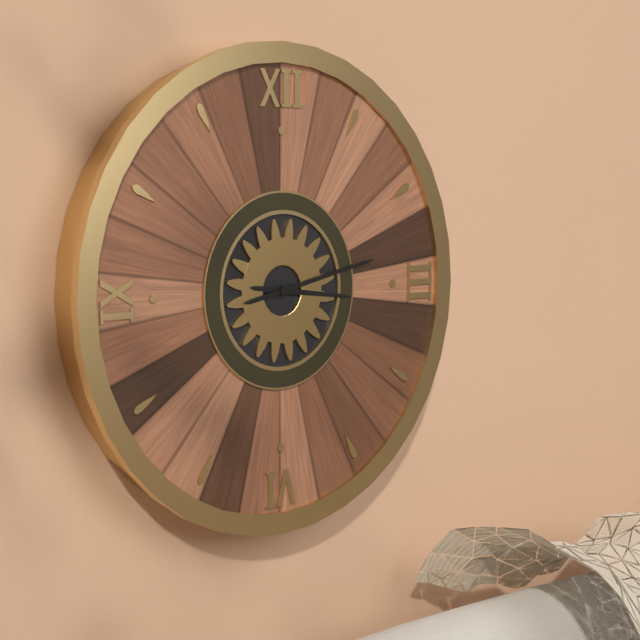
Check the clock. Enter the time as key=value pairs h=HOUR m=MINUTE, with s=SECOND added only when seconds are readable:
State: h=3 m=13
